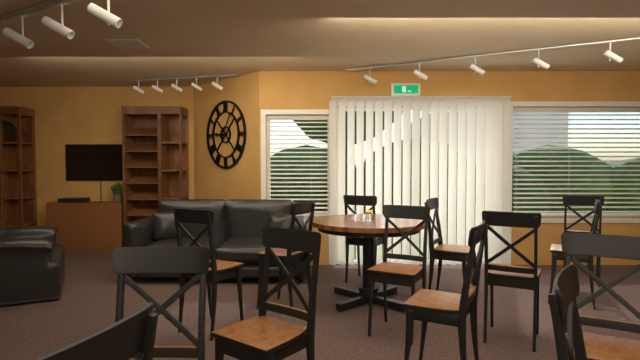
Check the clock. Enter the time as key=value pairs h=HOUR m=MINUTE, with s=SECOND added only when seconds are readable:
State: h=9 m=5
